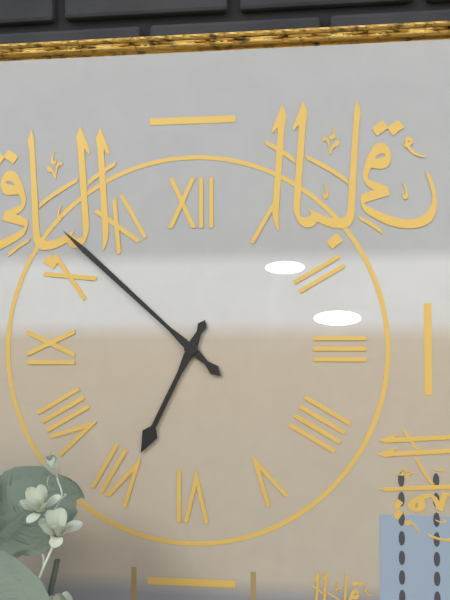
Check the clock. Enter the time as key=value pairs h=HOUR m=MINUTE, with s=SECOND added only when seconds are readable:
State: h=6 m=52
